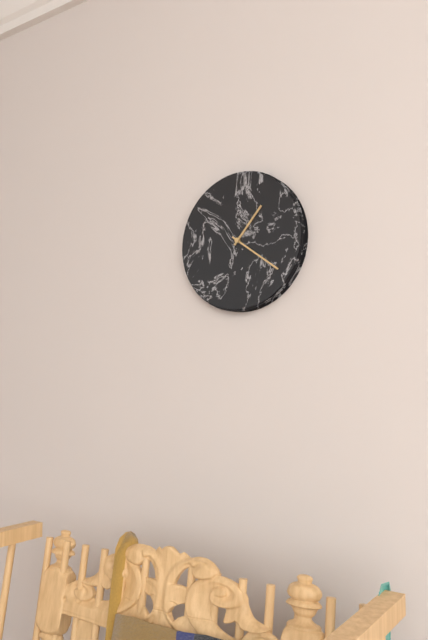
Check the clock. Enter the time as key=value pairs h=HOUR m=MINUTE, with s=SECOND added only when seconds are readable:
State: h=1 m=21
